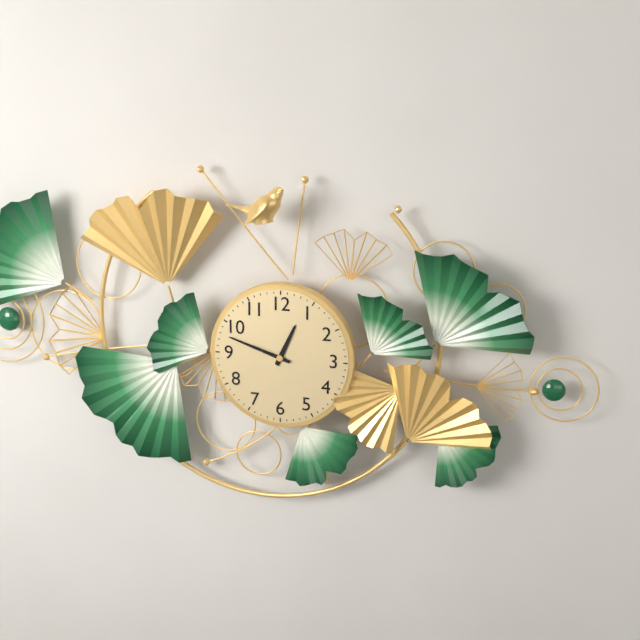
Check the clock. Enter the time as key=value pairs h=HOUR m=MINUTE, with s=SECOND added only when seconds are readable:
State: h=12 m=48
